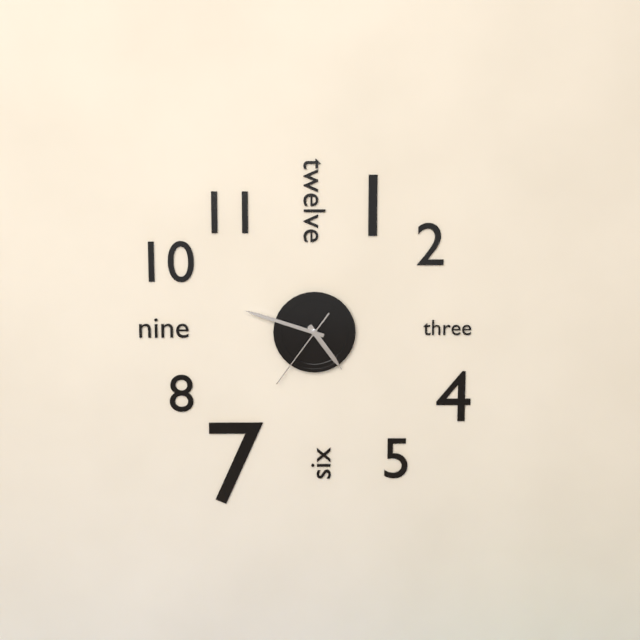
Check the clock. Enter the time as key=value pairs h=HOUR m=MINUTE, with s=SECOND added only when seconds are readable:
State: h=4 m=48 s=36
